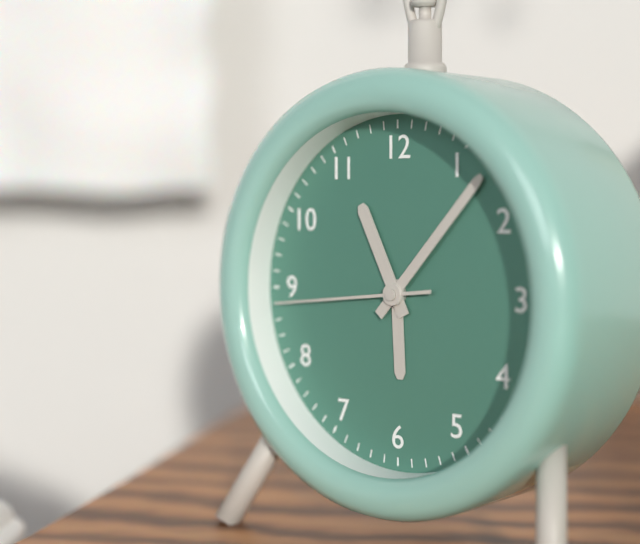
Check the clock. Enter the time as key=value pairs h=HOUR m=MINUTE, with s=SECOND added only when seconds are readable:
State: h=11 m=7 s=44
